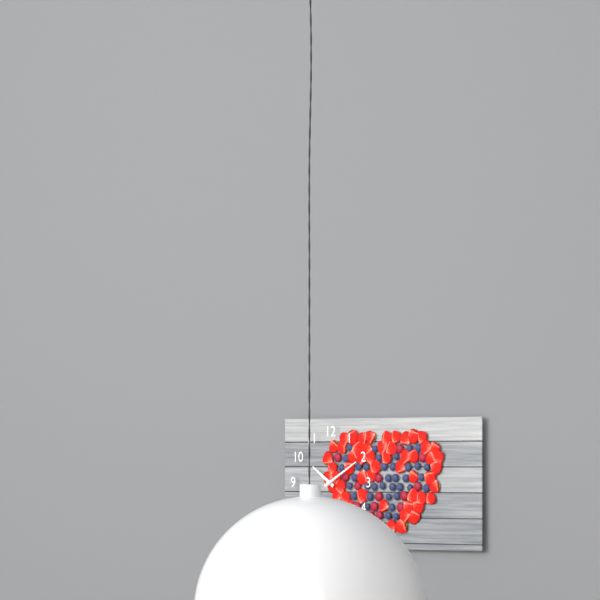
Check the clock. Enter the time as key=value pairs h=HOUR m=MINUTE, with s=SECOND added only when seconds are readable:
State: h=10 m=10
